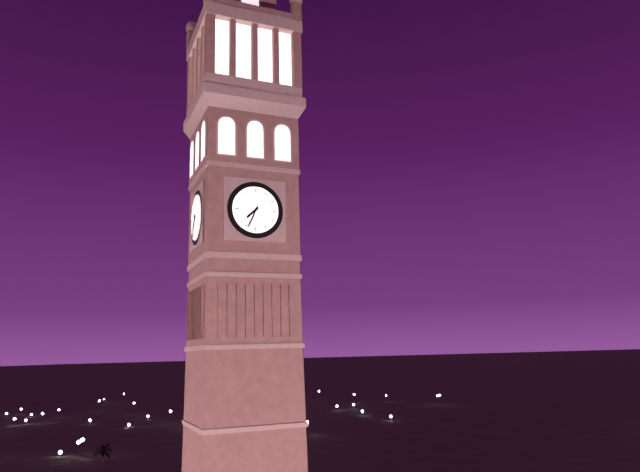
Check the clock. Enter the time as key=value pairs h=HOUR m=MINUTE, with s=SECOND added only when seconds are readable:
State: h=7 m=34
